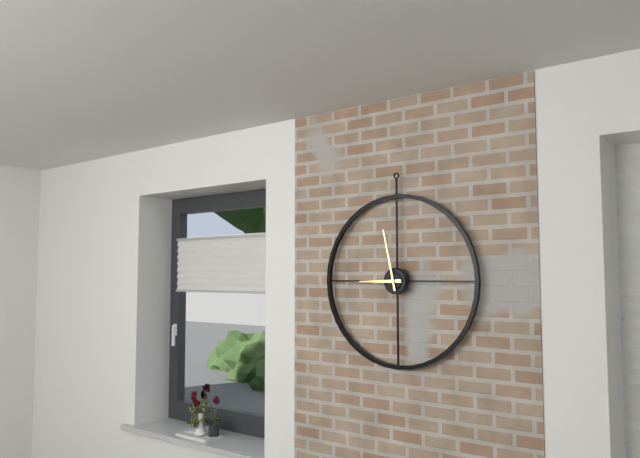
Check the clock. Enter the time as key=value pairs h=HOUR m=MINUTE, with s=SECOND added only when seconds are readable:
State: h=8 m=58
